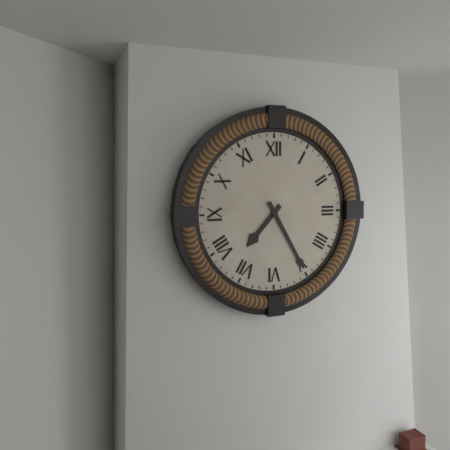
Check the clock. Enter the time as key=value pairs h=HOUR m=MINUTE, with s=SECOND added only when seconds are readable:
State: h=7 m=25
